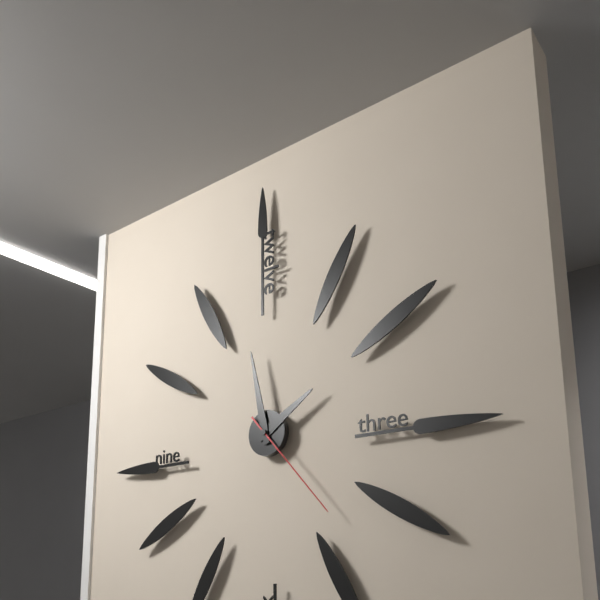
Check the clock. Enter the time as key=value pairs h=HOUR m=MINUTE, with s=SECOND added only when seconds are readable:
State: h=1 m=58 s=23
